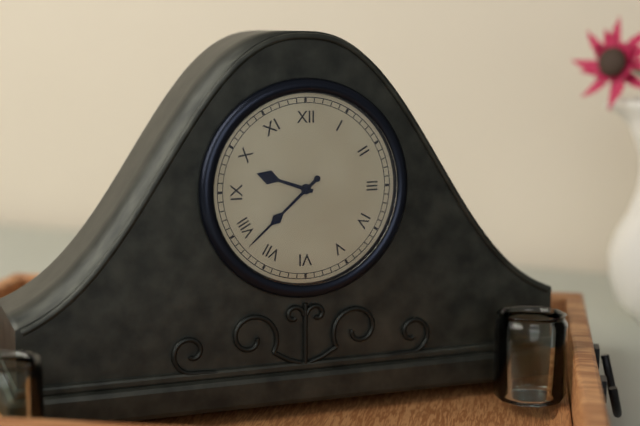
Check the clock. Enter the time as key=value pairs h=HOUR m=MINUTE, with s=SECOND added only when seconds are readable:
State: h=9 m=38
